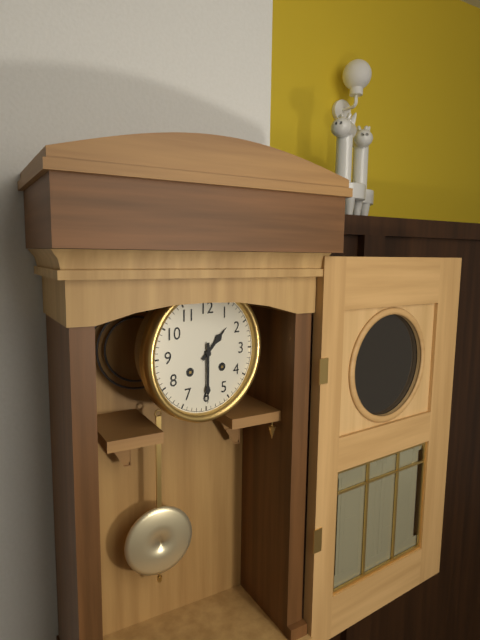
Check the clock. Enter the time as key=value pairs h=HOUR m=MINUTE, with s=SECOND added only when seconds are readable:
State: h=1 m=30
